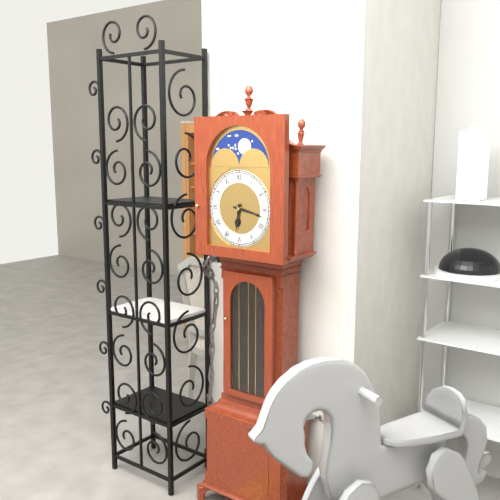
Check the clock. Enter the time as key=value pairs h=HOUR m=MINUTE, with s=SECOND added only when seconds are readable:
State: h=6 m=17
